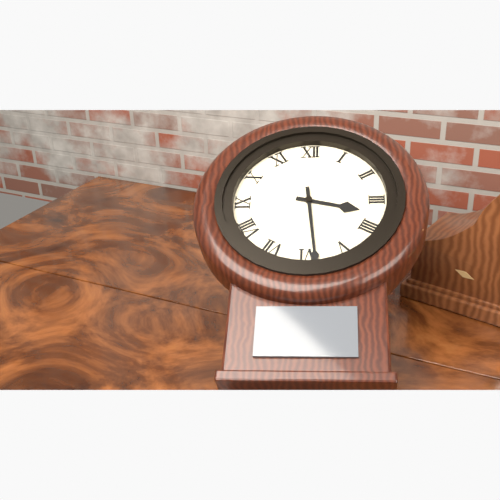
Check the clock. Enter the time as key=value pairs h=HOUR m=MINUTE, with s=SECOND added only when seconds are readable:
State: h=3 m=29
